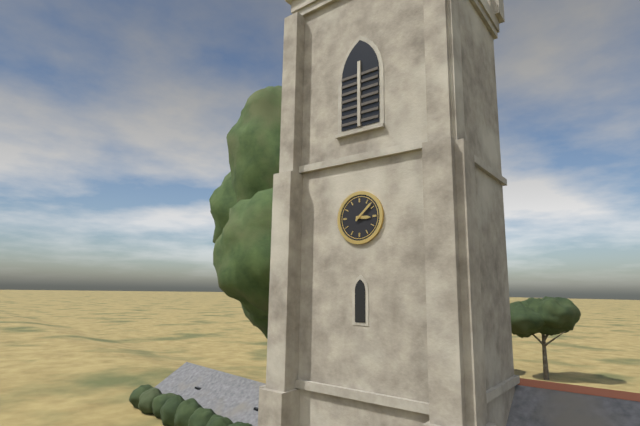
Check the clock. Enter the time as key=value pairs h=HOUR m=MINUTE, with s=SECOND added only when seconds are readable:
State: h=3 m=8
